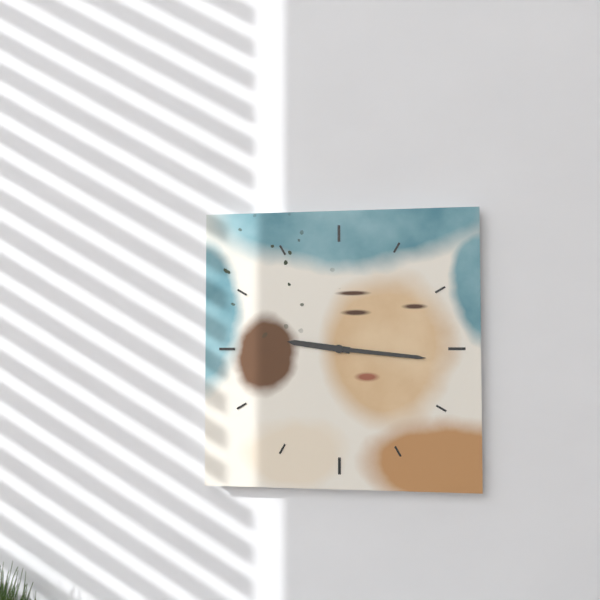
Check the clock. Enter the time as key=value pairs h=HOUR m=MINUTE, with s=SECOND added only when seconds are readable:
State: h=9 m=16
